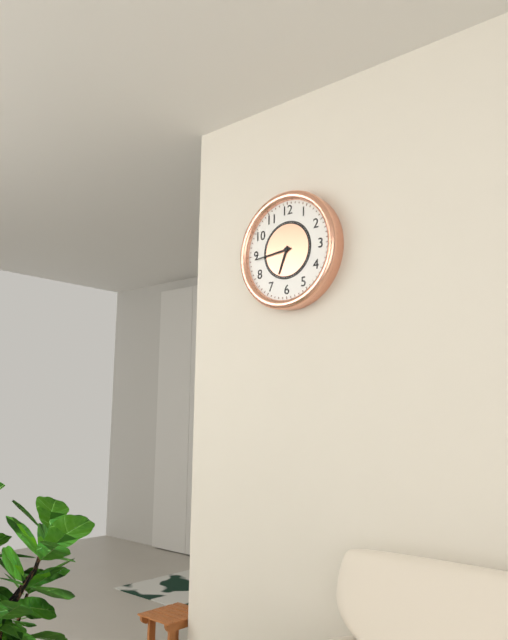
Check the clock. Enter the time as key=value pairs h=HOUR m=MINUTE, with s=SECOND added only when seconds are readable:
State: h=6 m=44
